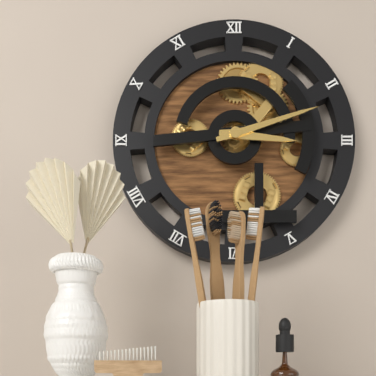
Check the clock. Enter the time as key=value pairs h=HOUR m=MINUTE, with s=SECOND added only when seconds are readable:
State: h=3 m=12
